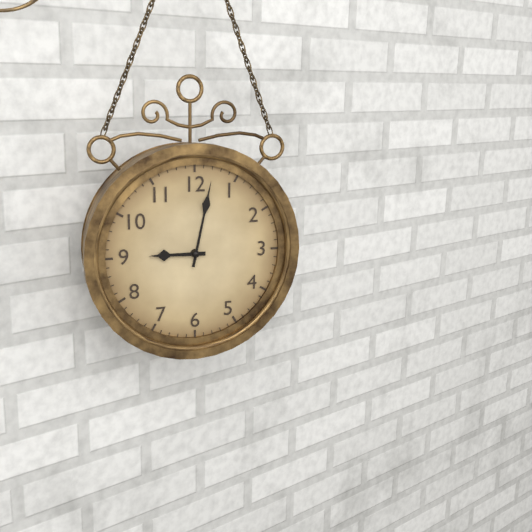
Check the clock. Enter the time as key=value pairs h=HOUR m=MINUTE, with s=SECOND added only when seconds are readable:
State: h=9 m=2
